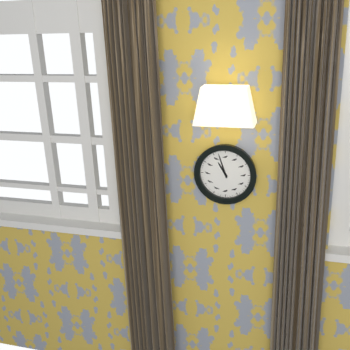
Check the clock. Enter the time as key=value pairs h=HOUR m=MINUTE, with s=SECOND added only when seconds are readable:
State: h=10 m=57
